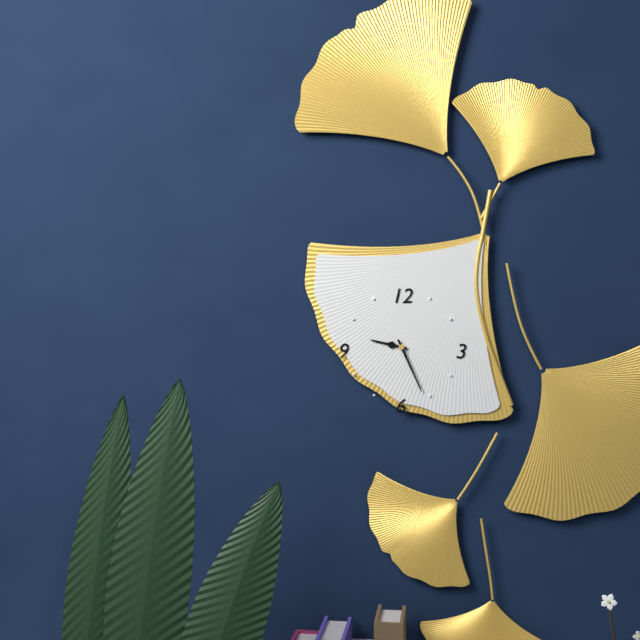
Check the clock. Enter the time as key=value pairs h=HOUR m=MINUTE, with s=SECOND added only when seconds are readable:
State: h=9 m=26
